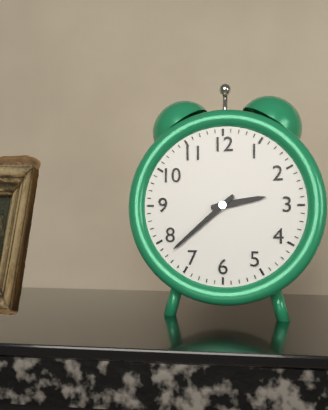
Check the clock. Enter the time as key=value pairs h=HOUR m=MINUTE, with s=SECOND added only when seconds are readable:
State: h=2 m=38
